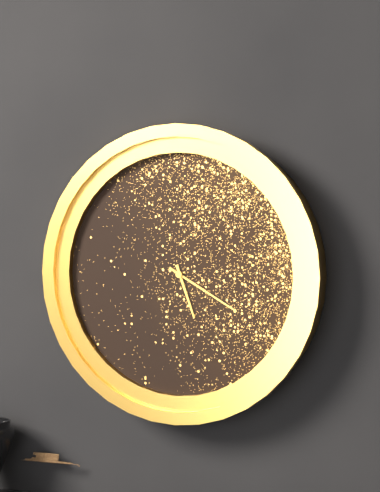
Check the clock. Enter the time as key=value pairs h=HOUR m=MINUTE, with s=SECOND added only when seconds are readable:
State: h=5 m=20
